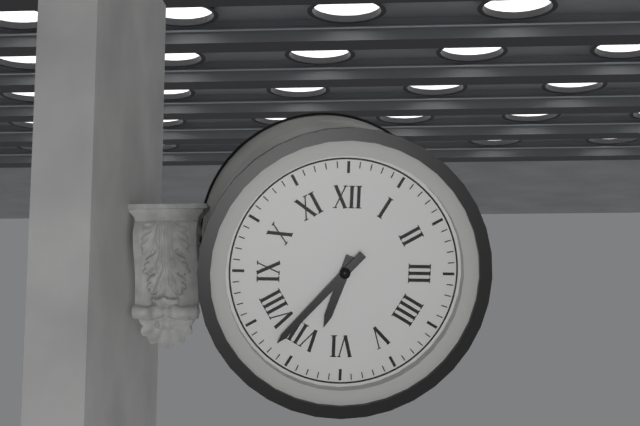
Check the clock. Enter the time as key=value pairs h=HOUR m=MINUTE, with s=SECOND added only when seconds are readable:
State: h=6 m=37
